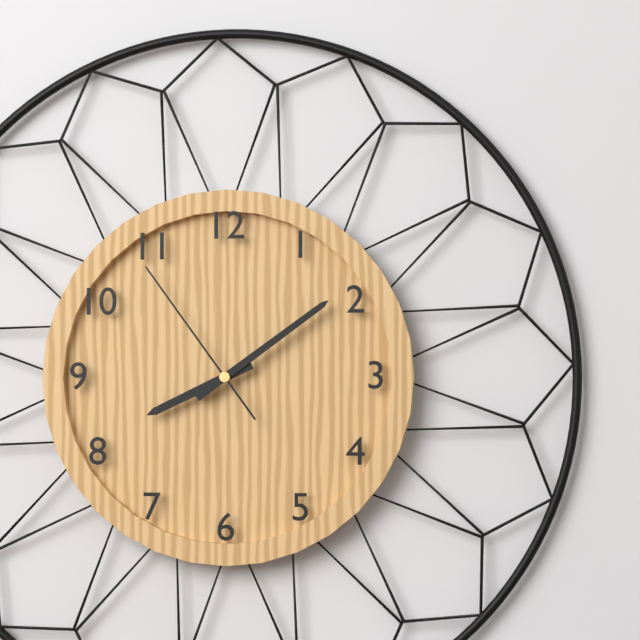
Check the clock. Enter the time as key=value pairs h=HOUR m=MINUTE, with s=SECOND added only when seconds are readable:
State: h=8 m=9 s=54
